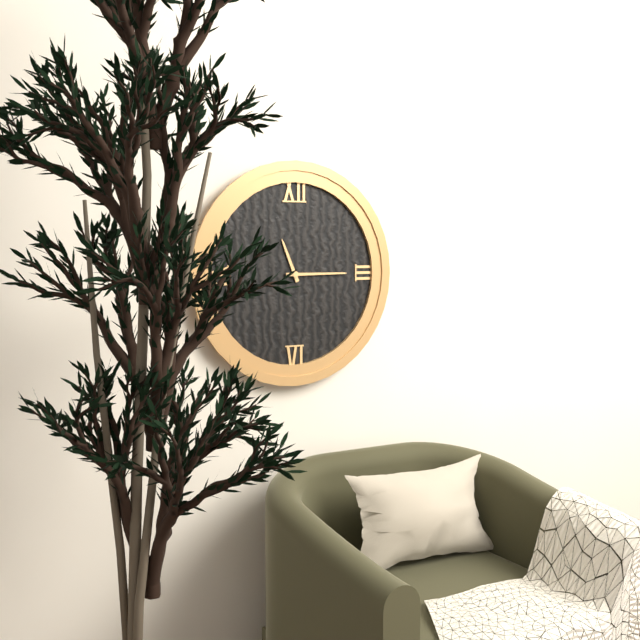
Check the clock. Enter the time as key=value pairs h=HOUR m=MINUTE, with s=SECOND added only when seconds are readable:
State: h=11 m=15
